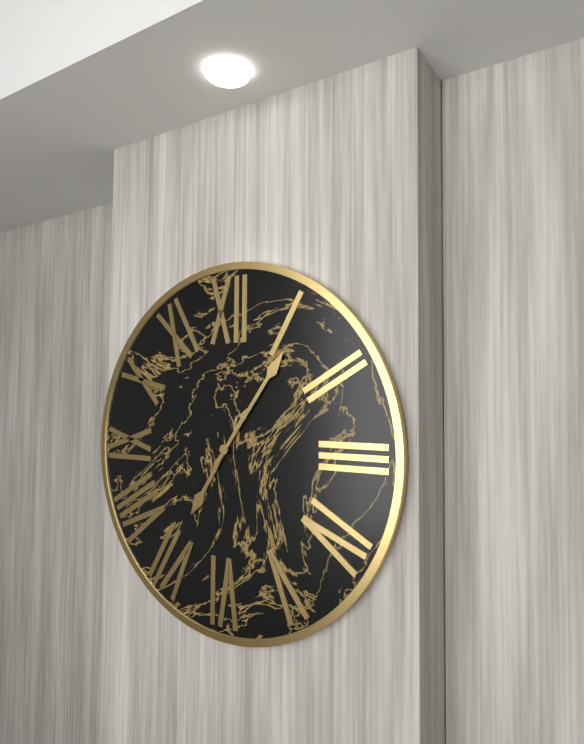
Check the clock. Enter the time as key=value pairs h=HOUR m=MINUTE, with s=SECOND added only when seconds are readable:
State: h=7 m=6
